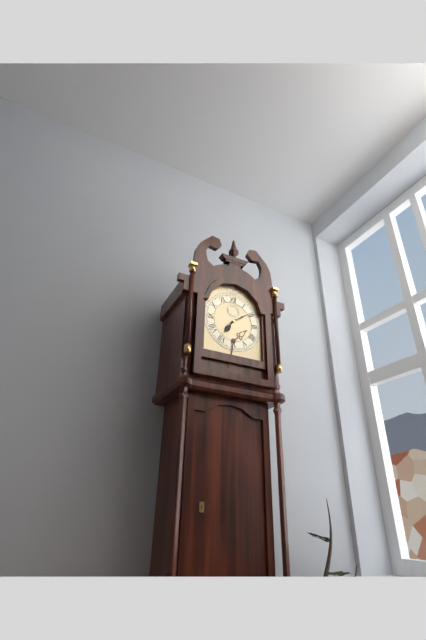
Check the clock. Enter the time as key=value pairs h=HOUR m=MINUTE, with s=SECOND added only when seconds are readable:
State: h=7 m=9
